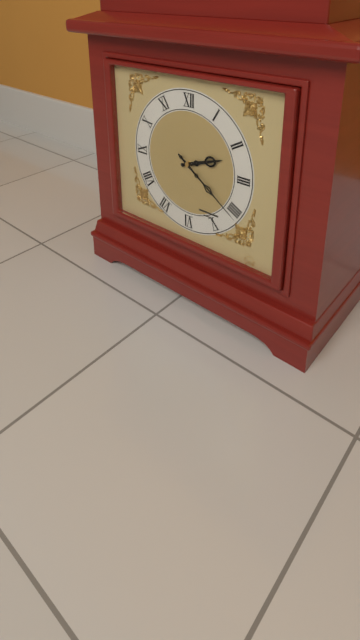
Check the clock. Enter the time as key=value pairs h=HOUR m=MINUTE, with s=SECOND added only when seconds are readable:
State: h=2 m=21
